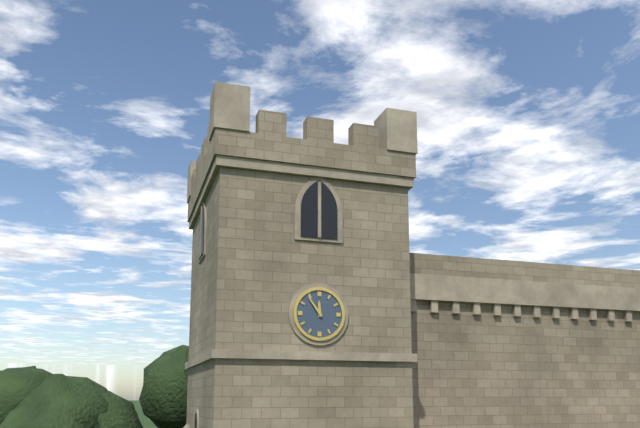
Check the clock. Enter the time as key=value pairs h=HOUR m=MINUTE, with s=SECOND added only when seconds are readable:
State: h=11 m=54
